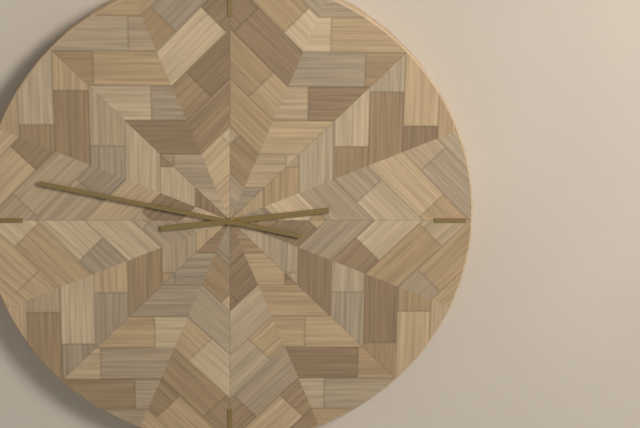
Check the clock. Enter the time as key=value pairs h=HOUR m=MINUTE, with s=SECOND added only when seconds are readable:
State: h=2 m=47
